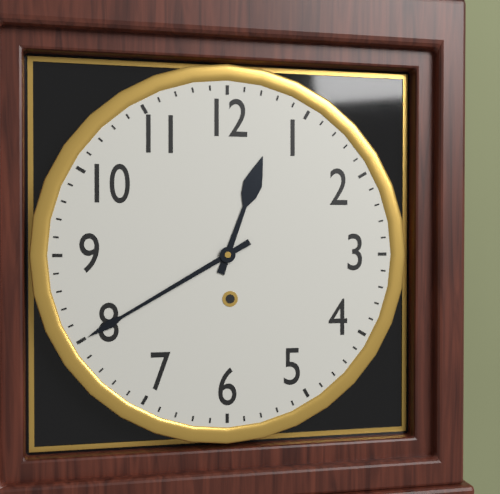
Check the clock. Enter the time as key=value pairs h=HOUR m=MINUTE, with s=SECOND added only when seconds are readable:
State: h=12 m=40
